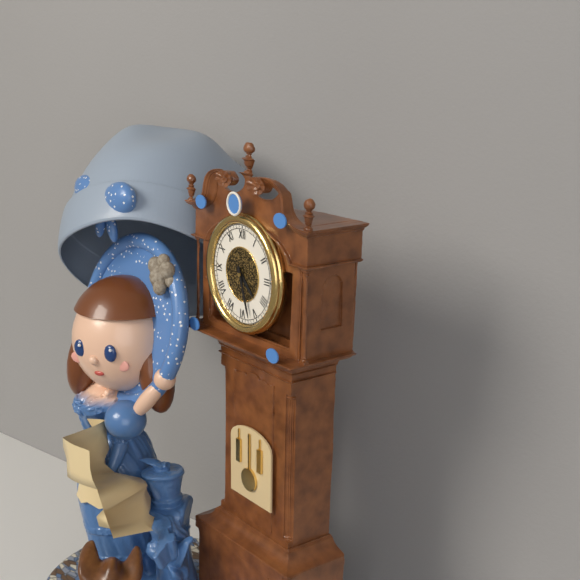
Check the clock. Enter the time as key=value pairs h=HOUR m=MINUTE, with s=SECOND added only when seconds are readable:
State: h=4 m=27
